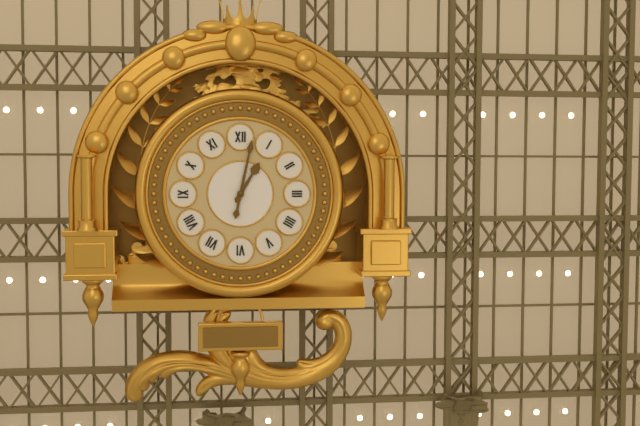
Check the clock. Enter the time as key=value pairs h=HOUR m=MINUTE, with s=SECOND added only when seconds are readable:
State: h=1 m=2
